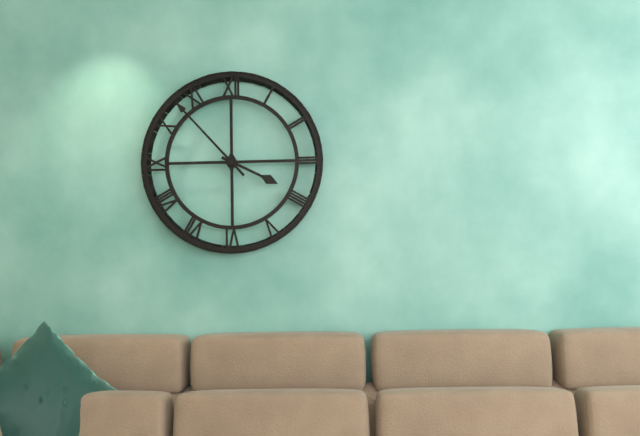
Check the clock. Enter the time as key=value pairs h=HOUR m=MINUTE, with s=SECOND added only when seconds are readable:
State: h=3 m=53
